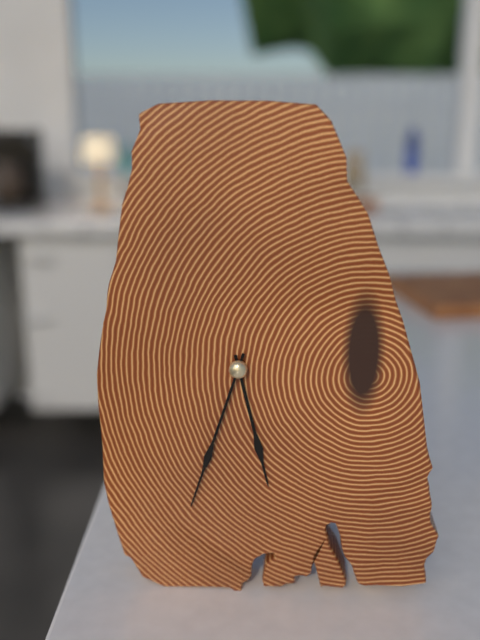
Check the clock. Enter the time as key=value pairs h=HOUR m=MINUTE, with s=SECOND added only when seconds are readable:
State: h=5 m=33
